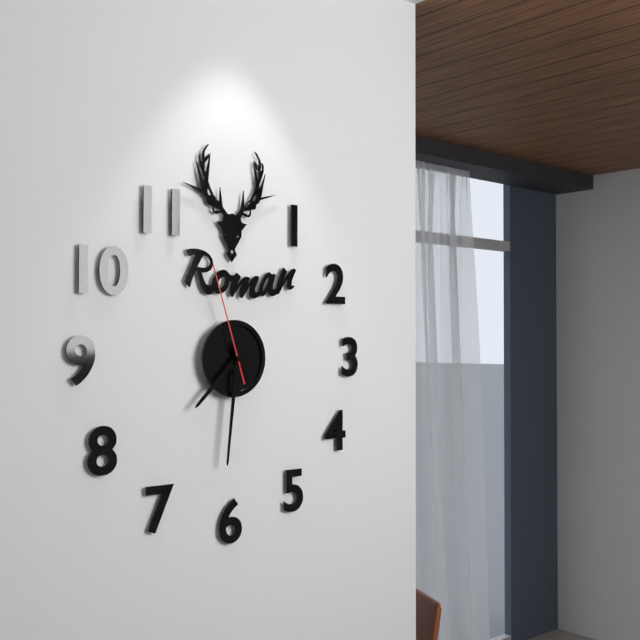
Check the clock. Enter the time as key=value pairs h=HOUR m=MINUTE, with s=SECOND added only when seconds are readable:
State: h=7 m=31 s=57
